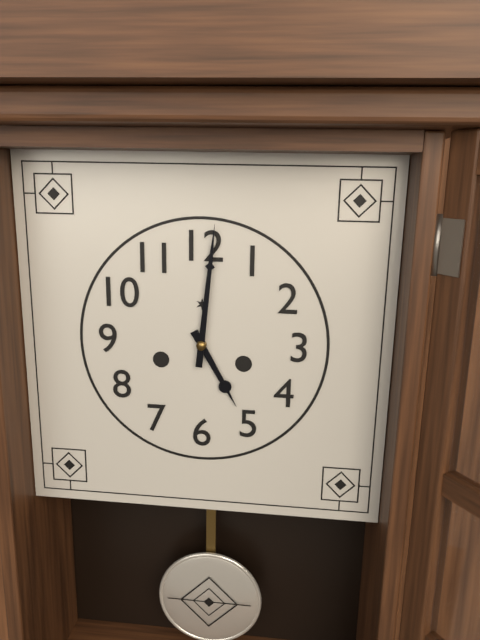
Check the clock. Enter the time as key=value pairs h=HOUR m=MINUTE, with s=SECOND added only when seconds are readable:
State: h=5 m=1
